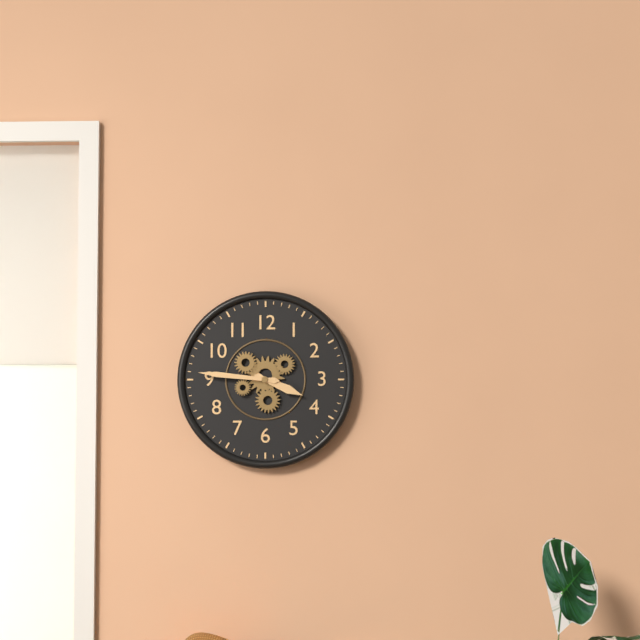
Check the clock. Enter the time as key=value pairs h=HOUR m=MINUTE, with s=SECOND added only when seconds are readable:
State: h=3 m=46
